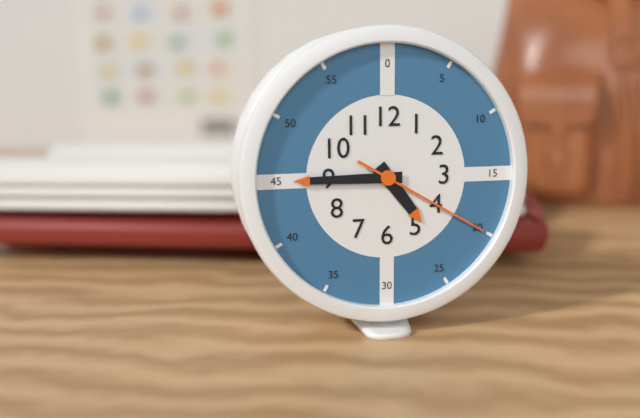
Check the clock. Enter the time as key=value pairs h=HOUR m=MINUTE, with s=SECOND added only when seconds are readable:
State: h=4 m=45 s=20
